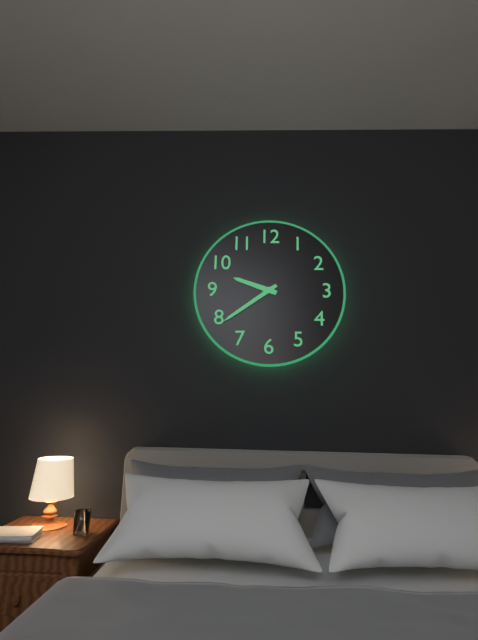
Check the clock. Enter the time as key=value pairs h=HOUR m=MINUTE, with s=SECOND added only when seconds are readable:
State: h=9 m=39
